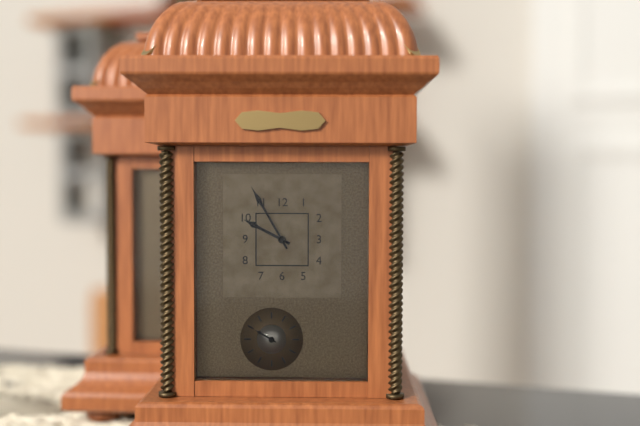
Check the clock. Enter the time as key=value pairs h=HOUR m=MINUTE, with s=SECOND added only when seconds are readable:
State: h=9 m=55
